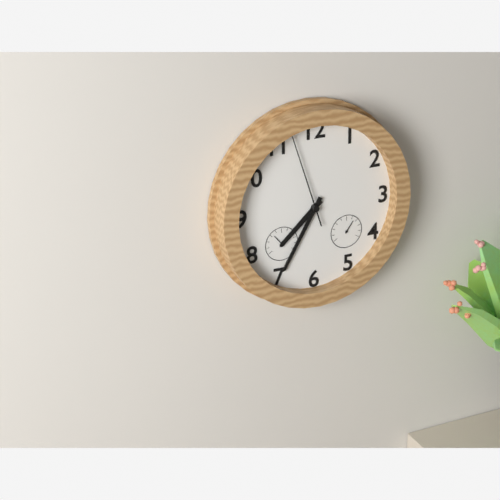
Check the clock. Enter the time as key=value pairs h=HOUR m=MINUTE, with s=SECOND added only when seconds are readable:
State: h=7 m=35 s=57
